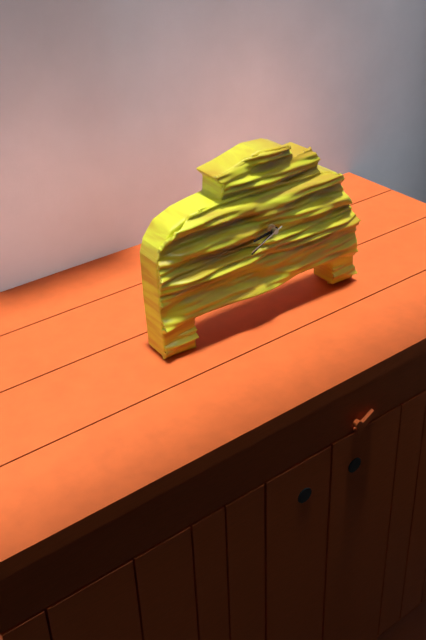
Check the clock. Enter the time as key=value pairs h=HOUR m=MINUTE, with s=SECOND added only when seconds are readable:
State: h=8 m=40
